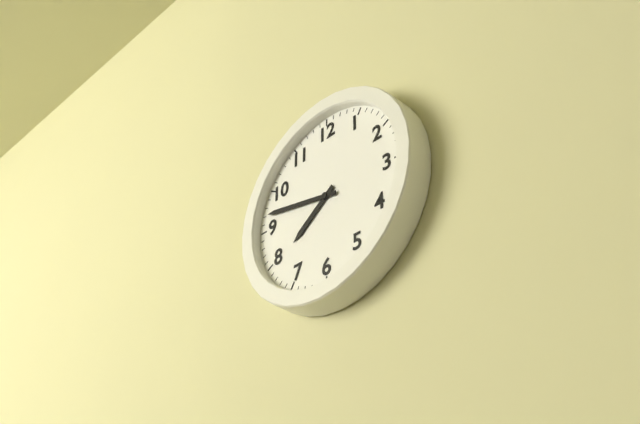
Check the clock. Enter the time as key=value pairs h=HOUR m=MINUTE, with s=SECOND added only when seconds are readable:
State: h=7 m=47
